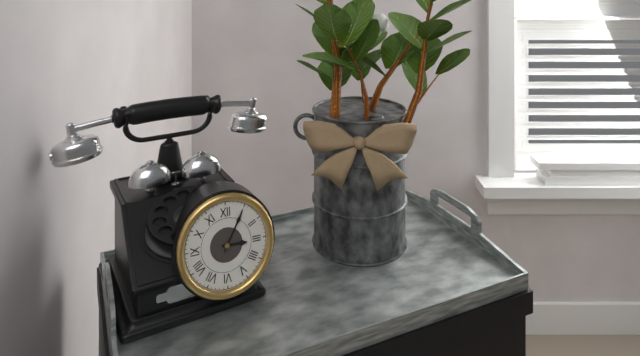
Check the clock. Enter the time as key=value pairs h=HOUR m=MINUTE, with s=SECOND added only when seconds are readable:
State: h=3 m=5
